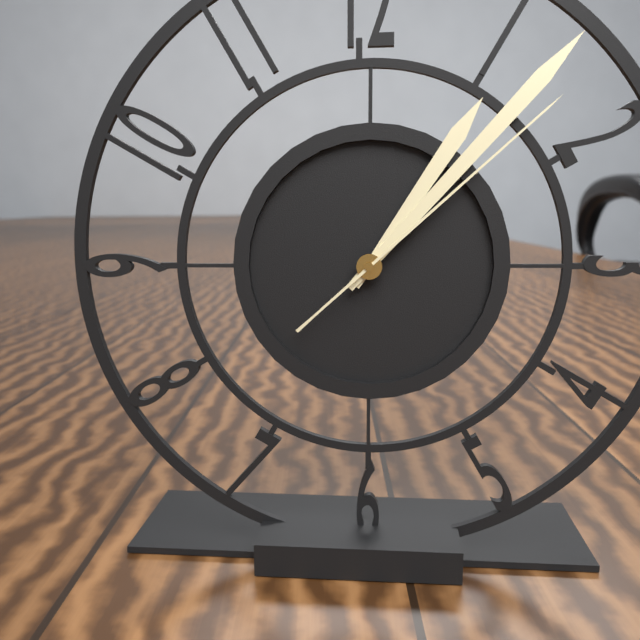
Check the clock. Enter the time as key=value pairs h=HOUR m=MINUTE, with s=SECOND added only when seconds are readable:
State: h=1 m=7 s=8
